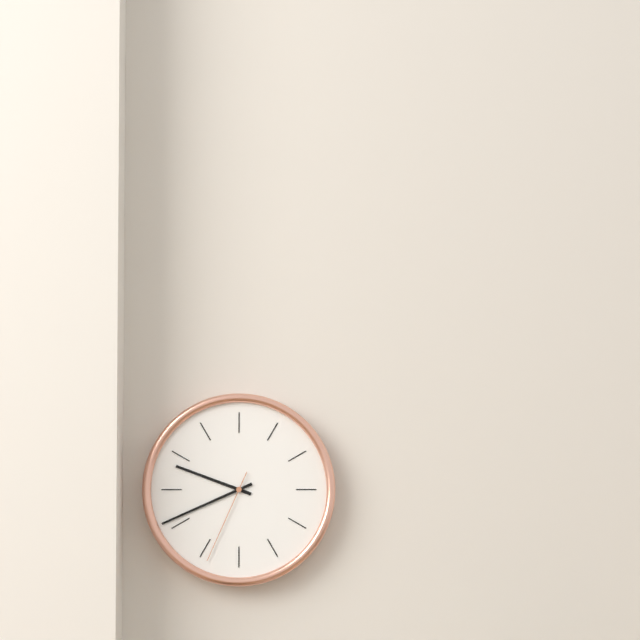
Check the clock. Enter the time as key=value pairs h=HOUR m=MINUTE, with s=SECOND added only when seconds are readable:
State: h=9 m=41 s=34
